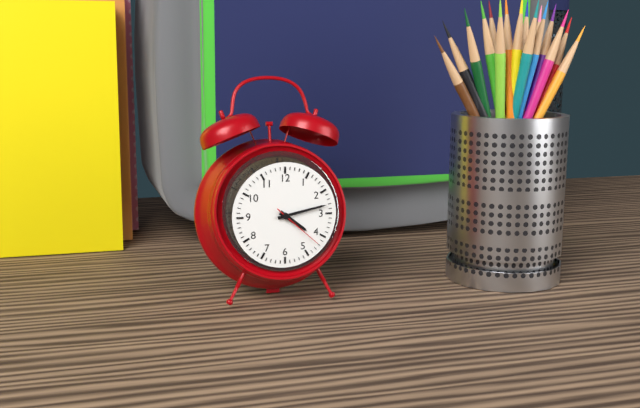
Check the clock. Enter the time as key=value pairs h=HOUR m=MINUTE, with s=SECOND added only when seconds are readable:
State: h=4 m=13 s=22
